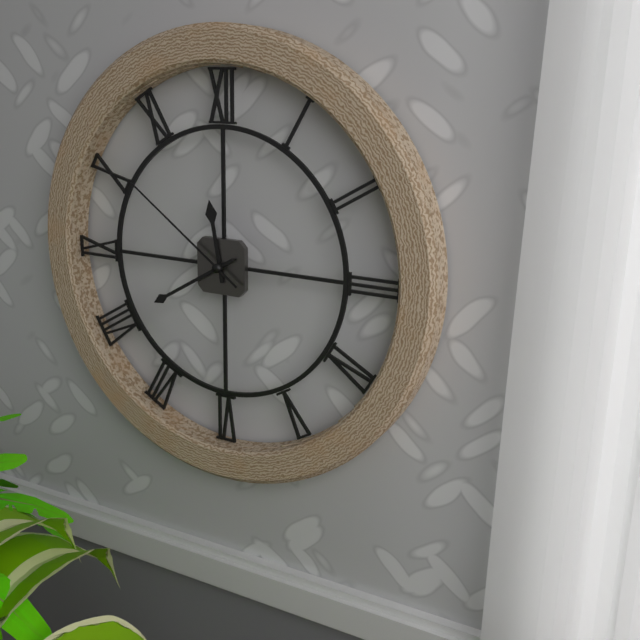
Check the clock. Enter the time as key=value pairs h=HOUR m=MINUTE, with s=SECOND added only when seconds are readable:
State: h=11 m=40 s=51
